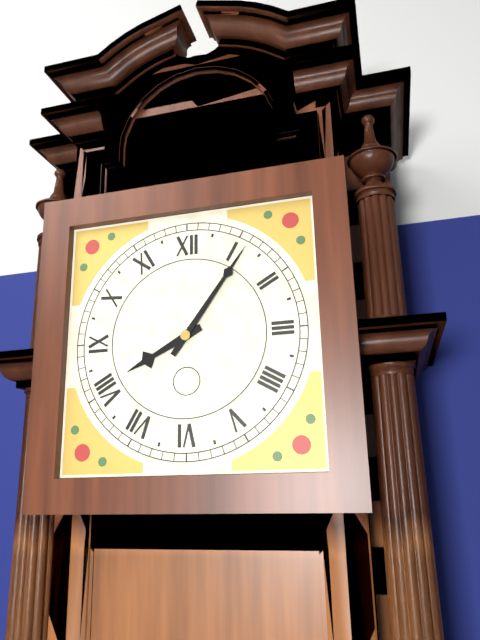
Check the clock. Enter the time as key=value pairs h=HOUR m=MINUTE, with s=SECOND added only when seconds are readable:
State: h=8 m=6
